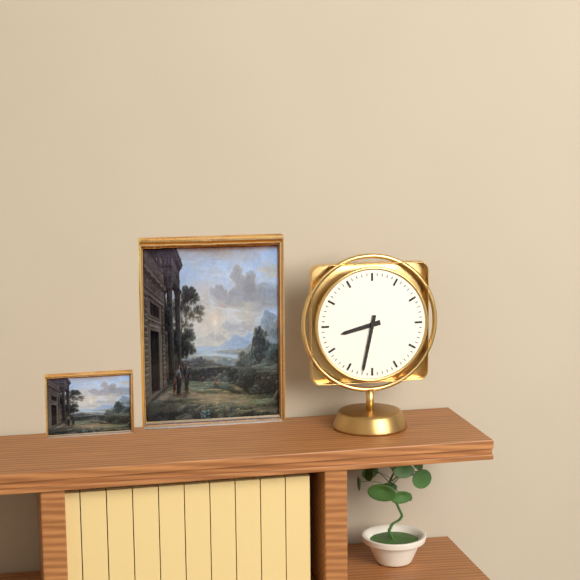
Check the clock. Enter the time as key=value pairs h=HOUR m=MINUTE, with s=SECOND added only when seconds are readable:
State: h=8 m=32
